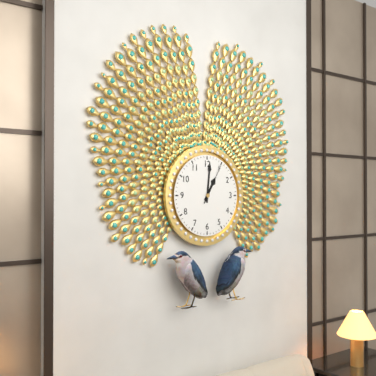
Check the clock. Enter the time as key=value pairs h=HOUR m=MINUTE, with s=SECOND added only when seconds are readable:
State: h=1 m=1
